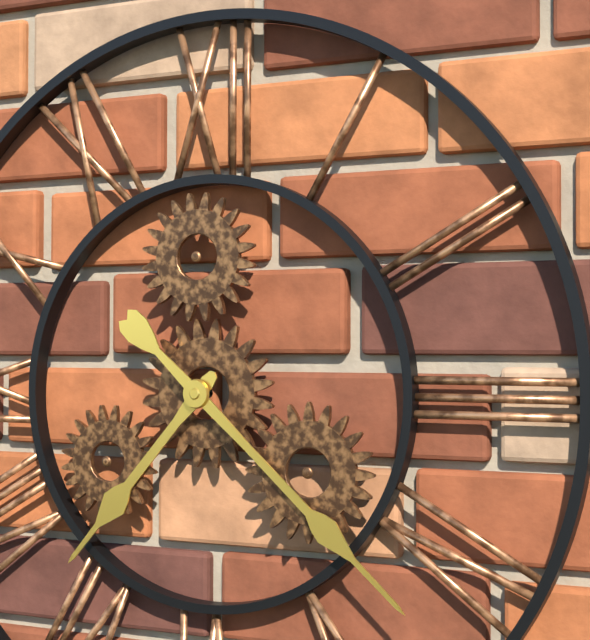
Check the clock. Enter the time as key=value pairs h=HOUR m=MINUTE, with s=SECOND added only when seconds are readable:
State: h=7 m=22
